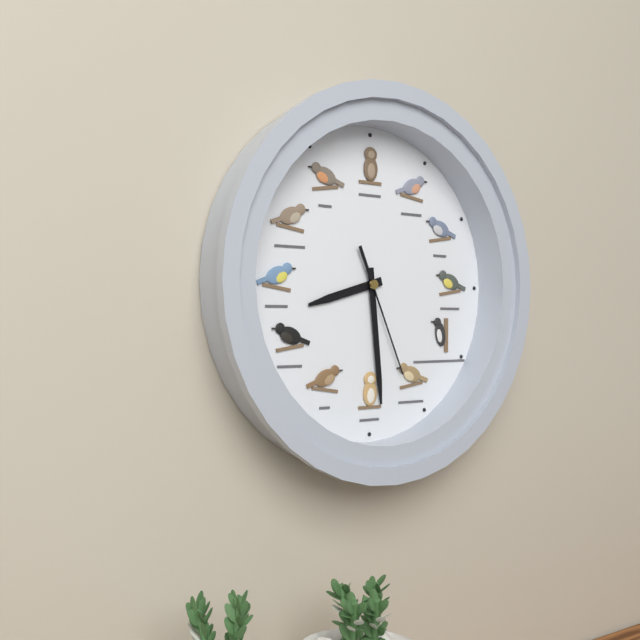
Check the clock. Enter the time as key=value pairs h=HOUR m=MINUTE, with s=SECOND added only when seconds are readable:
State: h=8 m=29 s=26
